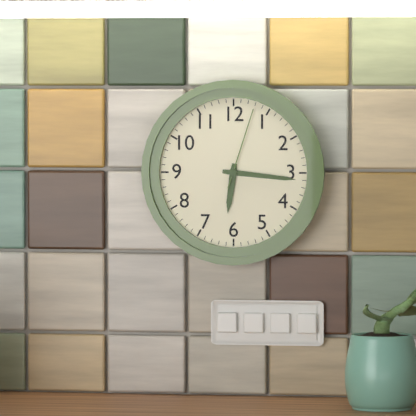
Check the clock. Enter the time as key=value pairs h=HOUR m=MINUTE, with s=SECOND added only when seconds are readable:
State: h=6 m=16 s=3
